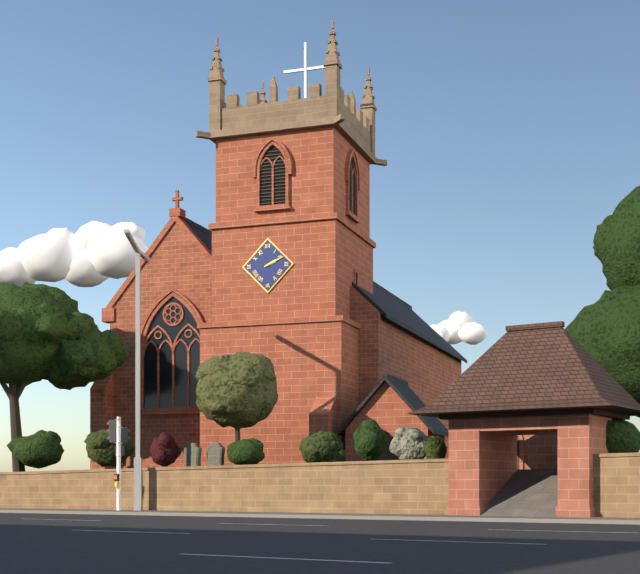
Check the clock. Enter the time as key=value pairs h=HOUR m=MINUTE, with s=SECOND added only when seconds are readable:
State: h=2 m=11
